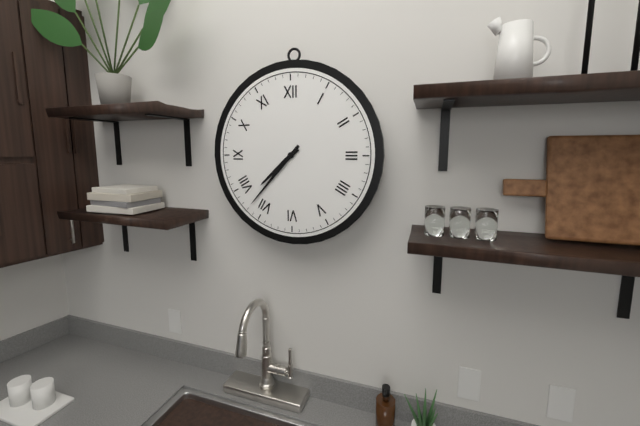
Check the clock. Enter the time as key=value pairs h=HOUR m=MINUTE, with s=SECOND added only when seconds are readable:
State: h=7 m=37
